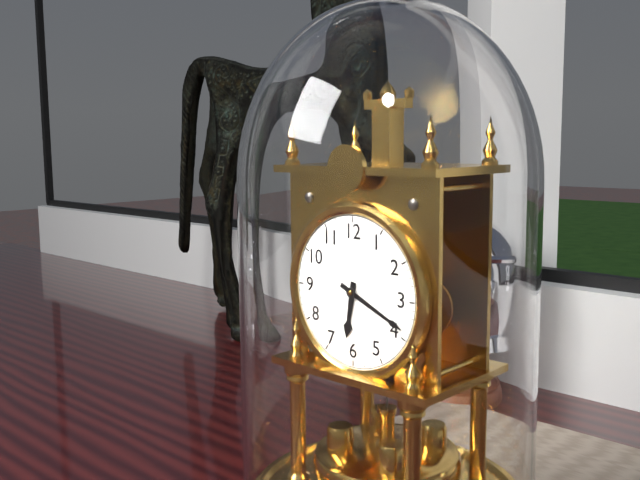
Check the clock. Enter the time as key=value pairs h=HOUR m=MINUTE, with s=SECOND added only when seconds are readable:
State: h=6 m=19
